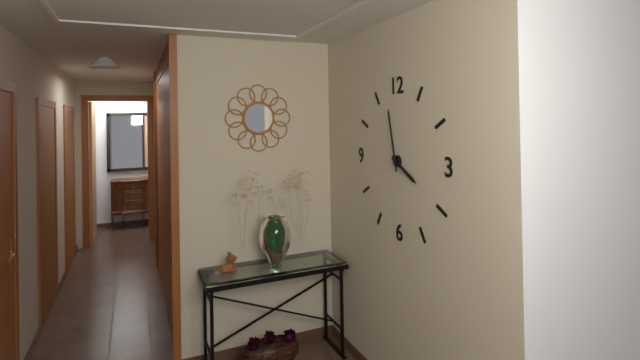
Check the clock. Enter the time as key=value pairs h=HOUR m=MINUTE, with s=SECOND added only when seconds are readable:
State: h=3 m=58
